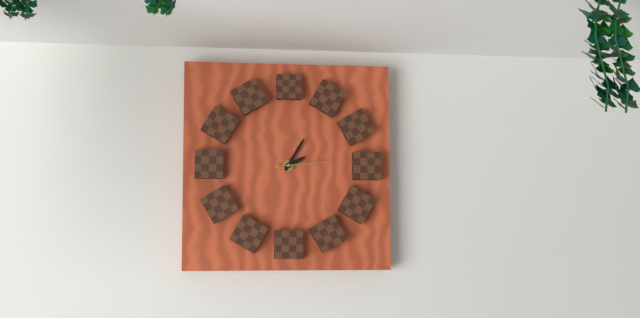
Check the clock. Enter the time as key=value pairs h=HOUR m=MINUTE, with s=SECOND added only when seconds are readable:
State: h=2 m=5
